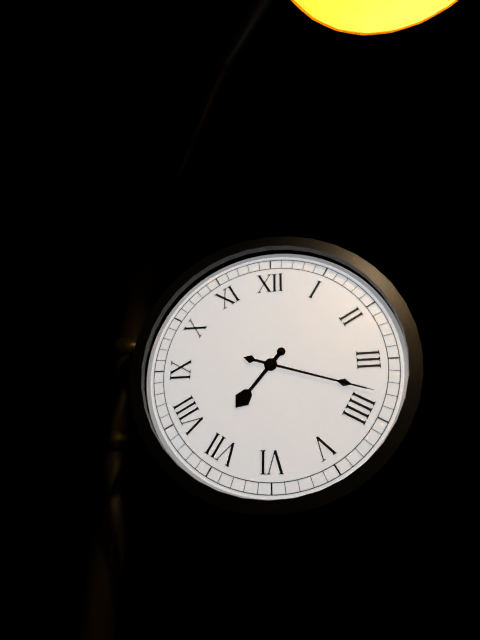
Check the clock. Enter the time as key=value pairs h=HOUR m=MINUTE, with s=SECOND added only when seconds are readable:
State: h=7 m=18
